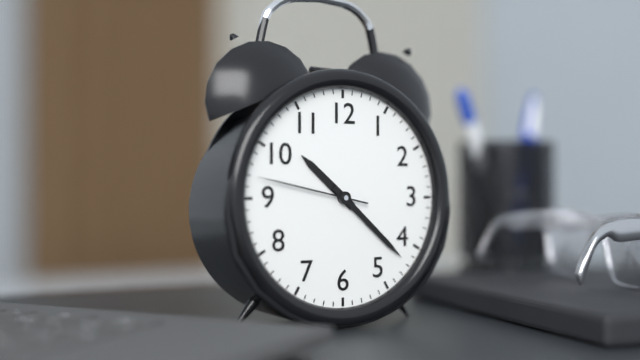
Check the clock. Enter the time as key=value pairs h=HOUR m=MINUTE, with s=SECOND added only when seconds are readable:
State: h=10 m=22 s=47
